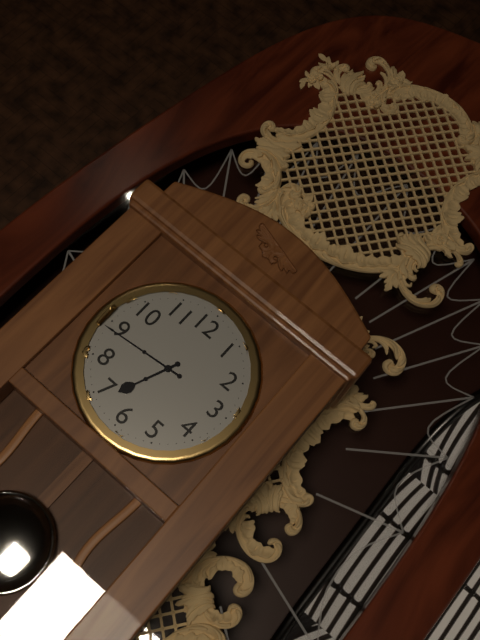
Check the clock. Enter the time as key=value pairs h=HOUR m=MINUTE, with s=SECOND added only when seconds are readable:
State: h=6 m=44
